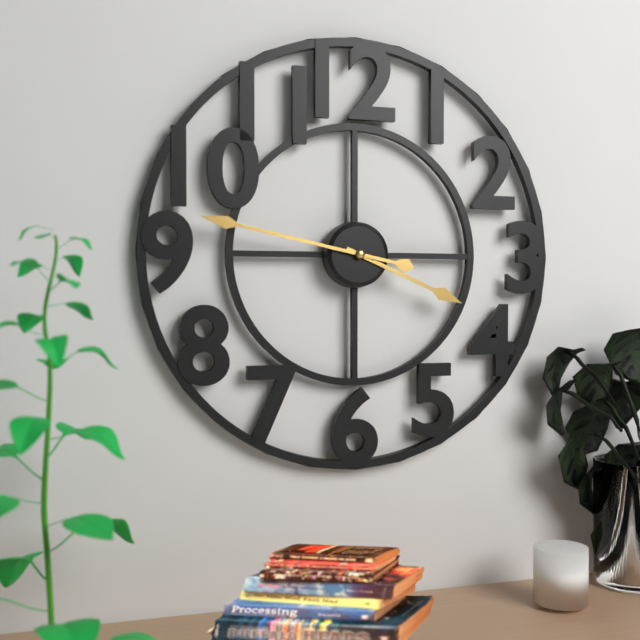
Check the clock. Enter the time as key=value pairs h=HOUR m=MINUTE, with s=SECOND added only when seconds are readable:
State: h=3 m=47
